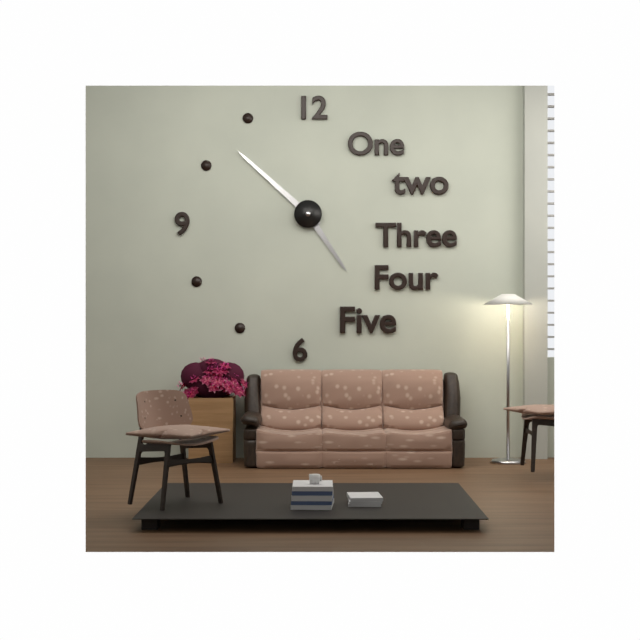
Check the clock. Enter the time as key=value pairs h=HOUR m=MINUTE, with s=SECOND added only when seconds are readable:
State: h=4 m=52
